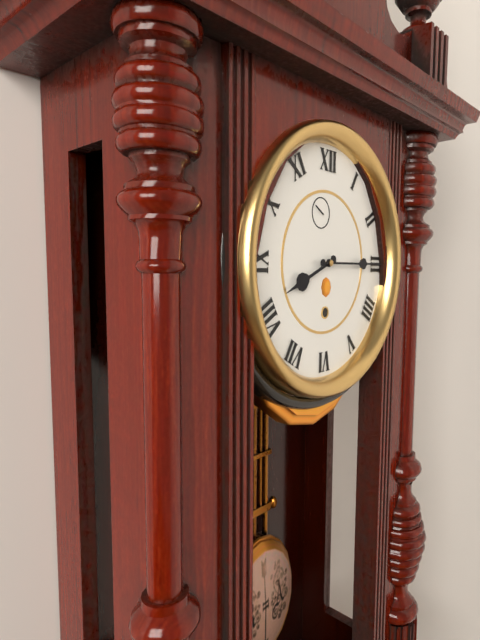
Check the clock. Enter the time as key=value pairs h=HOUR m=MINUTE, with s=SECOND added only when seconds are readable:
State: h=8 m=15
